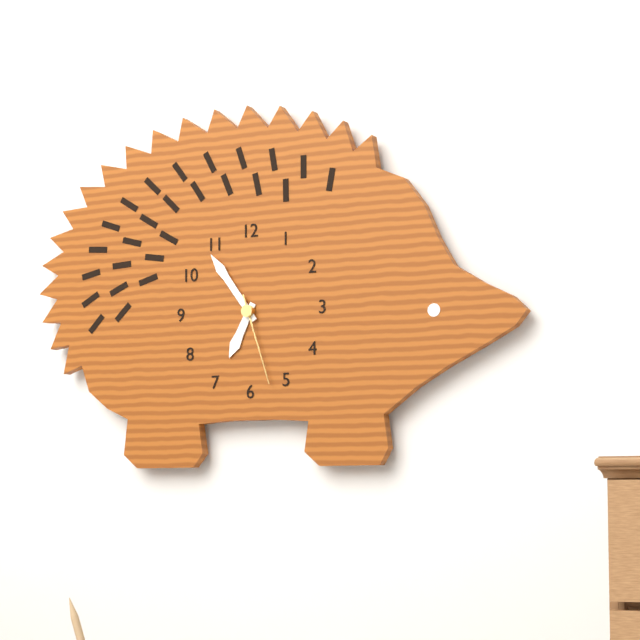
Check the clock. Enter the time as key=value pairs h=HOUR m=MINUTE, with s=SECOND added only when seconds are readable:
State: h=6 m=54 s=27
